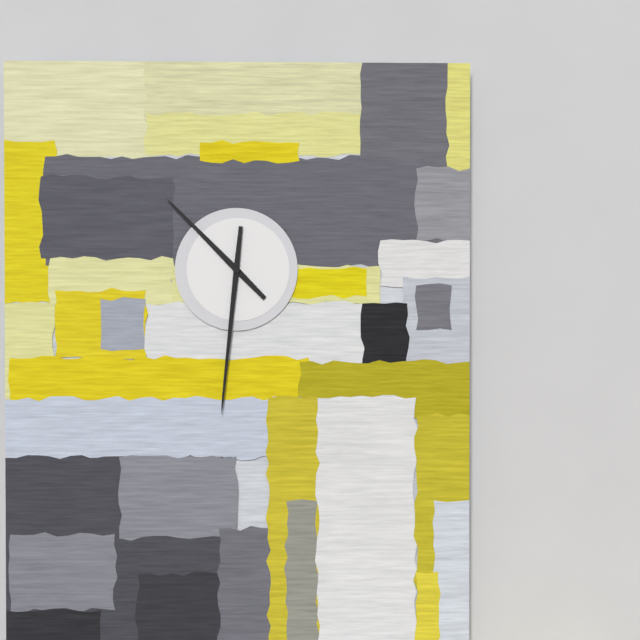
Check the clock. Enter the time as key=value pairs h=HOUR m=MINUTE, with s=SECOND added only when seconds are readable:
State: h=10 m=31
